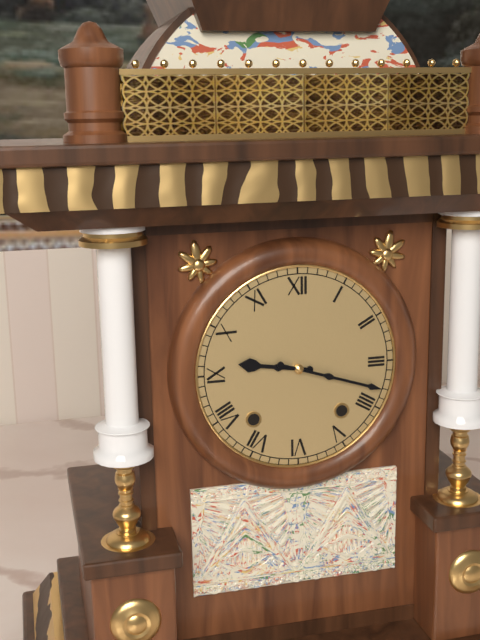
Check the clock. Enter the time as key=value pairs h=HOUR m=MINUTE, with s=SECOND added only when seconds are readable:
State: h=9 m=18
